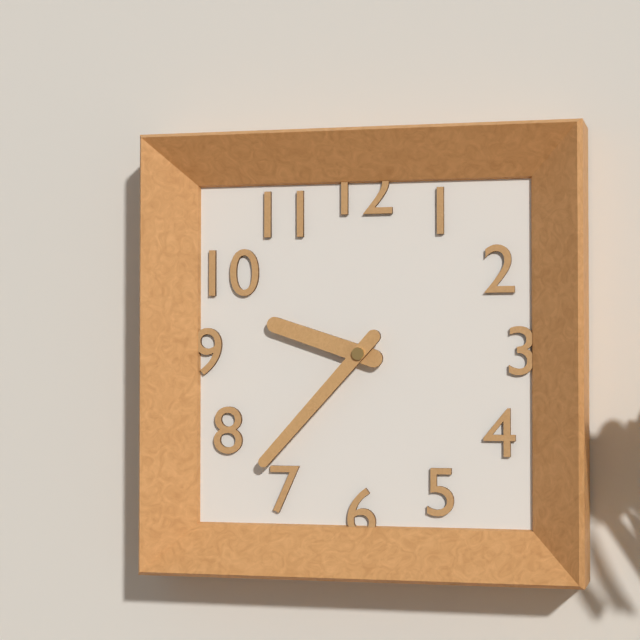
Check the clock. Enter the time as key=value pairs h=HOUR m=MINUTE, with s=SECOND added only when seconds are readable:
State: h=9 m=37
